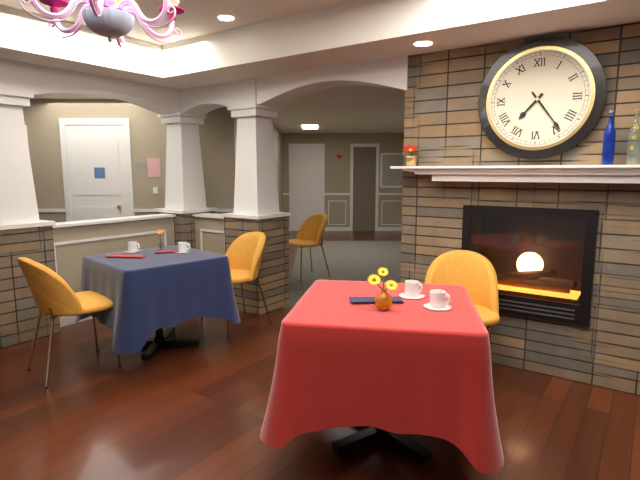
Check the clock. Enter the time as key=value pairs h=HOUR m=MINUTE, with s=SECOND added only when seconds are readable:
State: h=7 m=24
